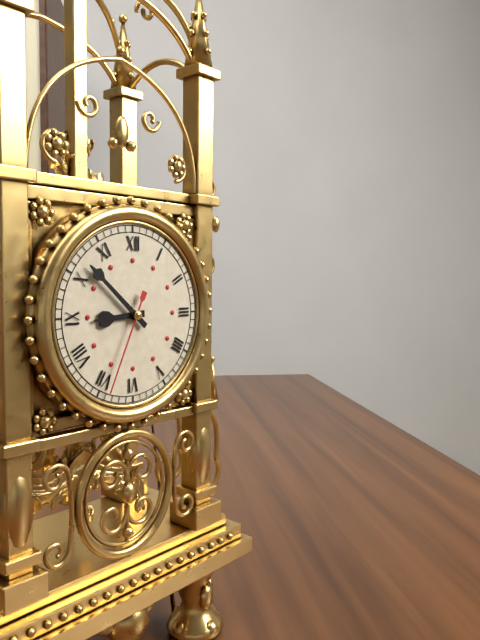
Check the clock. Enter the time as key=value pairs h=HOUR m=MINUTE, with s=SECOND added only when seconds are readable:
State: h=8 m=52 s=34
